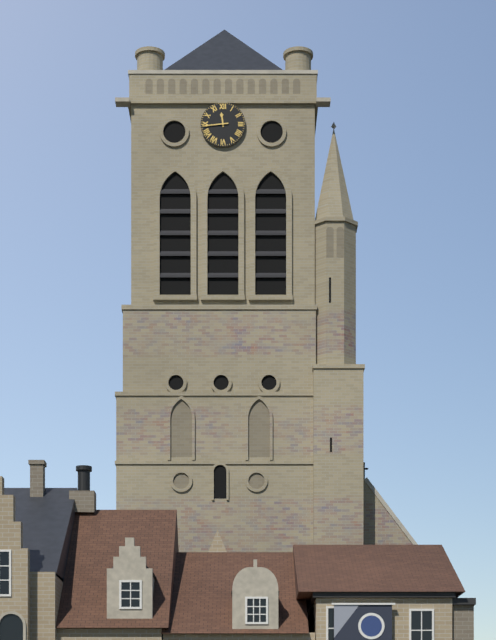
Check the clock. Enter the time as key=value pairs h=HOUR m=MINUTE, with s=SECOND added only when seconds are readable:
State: h=11 m=44
